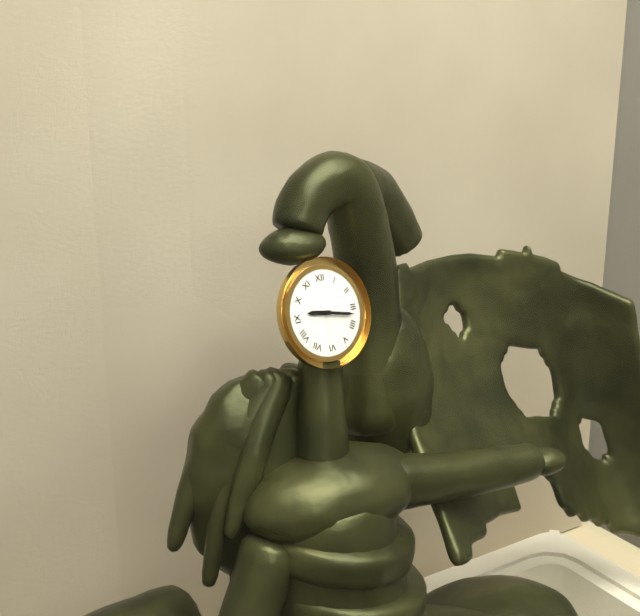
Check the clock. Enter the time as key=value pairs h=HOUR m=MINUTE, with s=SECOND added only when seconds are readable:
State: h=9 m=17
